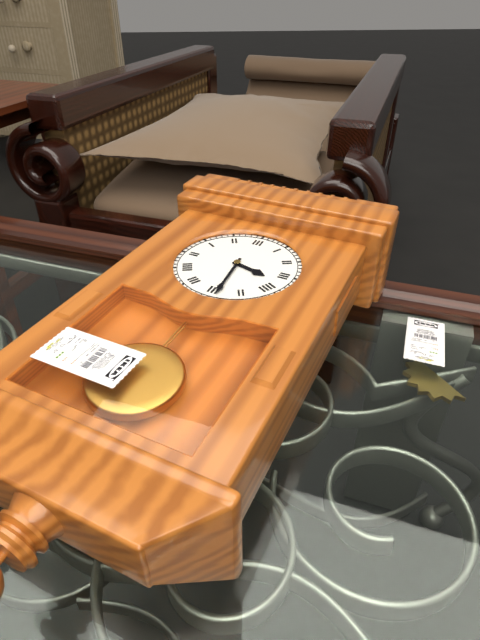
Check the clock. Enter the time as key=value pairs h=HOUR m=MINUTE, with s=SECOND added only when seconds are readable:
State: h=3 m=29
